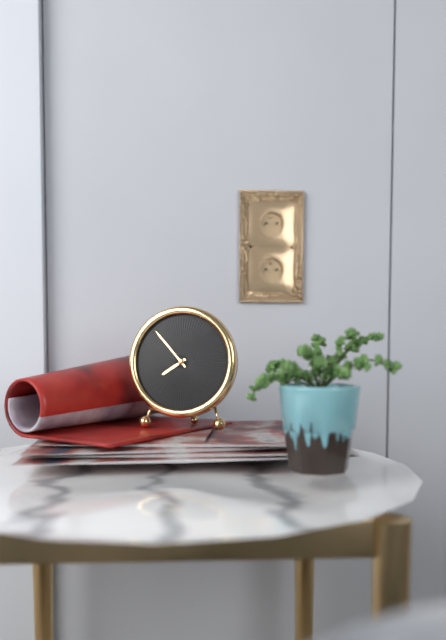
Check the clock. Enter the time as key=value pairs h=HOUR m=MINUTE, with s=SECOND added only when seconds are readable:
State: h=7 m=53
